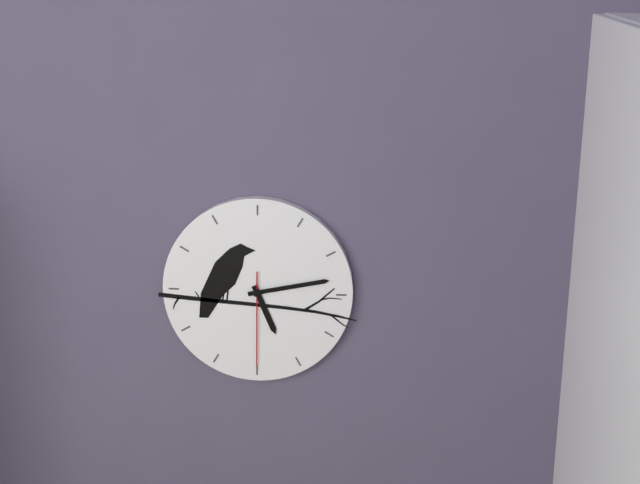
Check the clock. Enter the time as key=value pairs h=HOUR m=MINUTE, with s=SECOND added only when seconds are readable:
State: h=5 m=13 s=30
